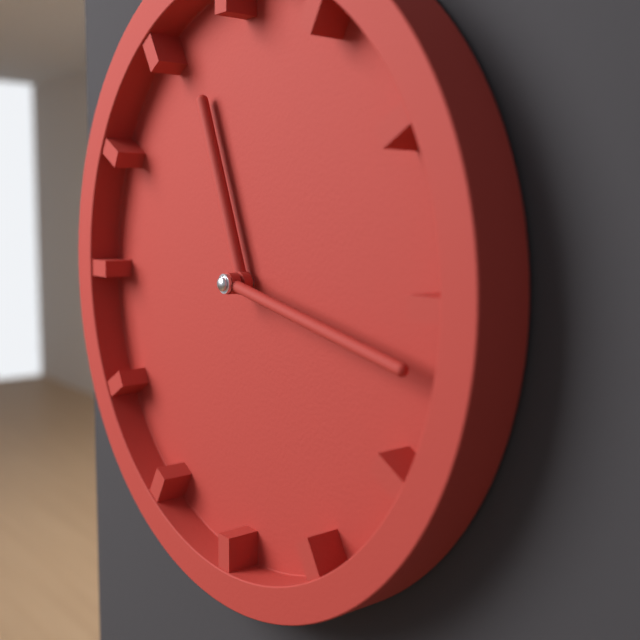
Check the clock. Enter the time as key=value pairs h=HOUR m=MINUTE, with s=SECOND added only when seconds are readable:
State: h=11 m=17
